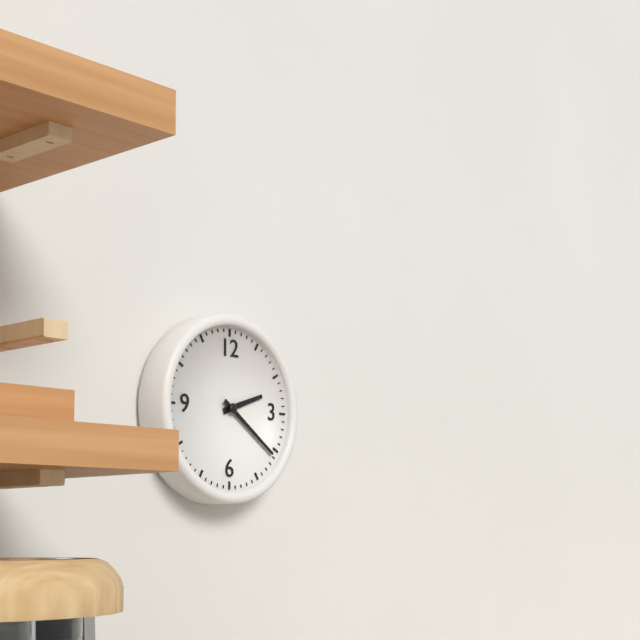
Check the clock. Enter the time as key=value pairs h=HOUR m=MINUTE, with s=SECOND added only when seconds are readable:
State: h=2 m=21
